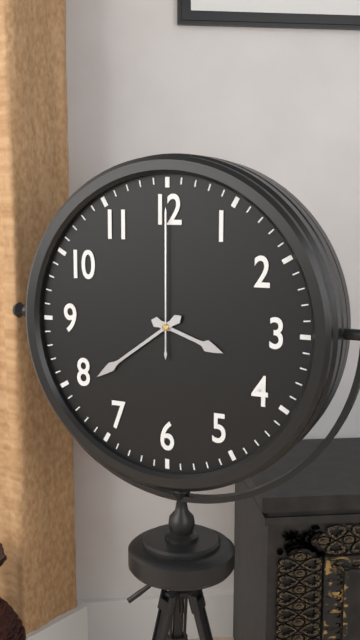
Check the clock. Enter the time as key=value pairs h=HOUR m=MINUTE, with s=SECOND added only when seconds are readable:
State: h=3 m=39 s=0
